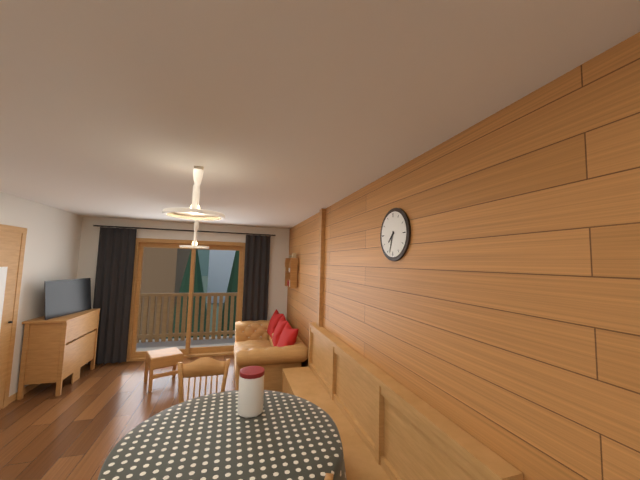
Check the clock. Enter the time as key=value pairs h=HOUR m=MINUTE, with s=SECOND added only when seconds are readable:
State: h=7 m=33
